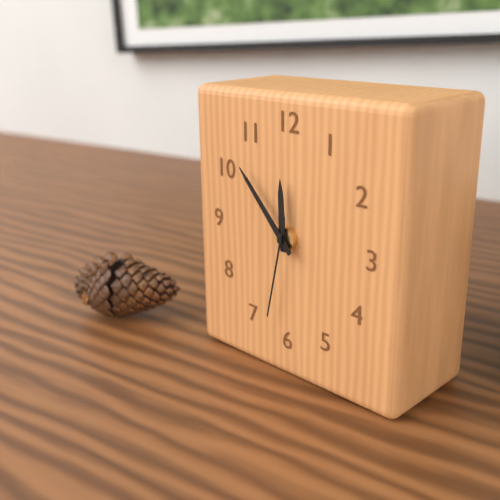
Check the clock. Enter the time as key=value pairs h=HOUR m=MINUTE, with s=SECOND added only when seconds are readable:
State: h=11 m=53 s=32
